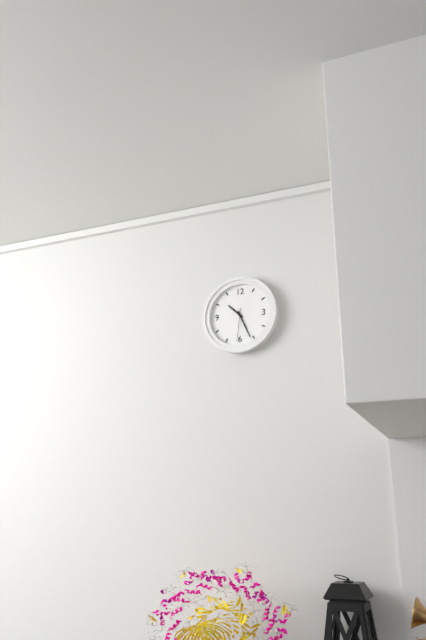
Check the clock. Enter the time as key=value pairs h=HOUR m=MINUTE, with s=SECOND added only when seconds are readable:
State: h=10 m=26
